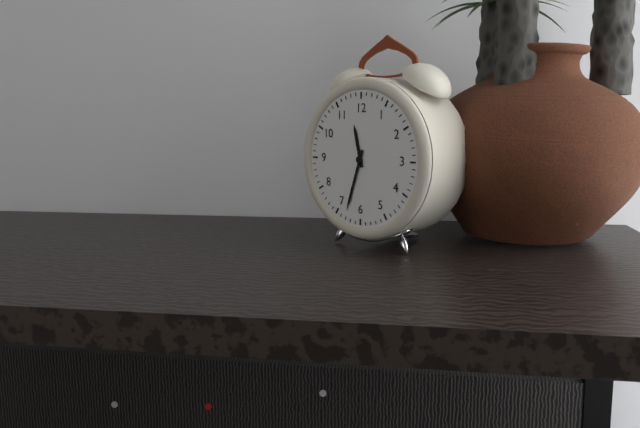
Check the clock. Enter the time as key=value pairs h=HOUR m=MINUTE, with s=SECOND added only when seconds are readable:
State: h=11 m=33
